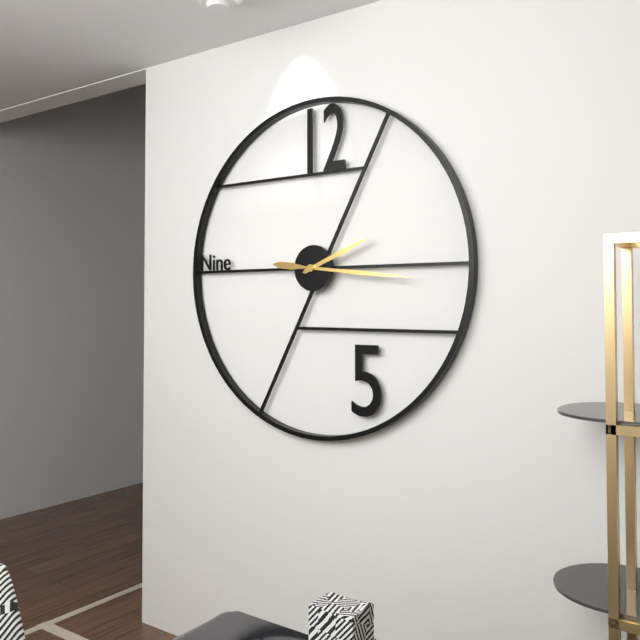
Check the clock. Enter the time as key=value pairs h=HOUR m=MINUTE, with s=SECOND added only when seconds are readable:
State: h=2 m=16
